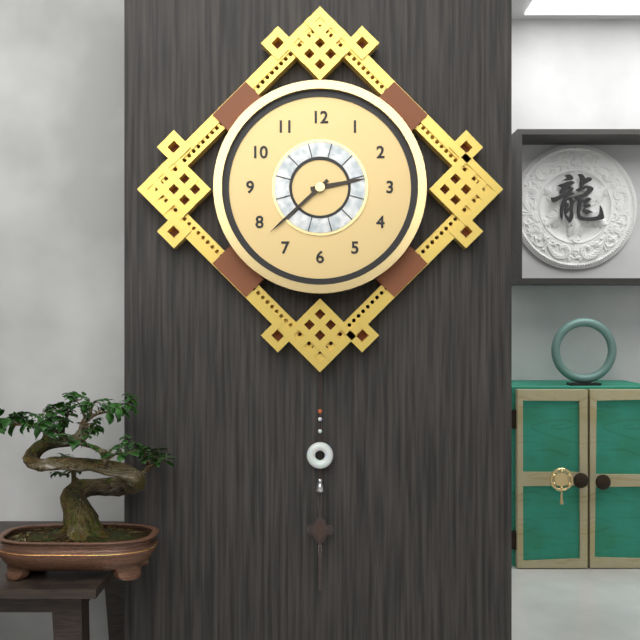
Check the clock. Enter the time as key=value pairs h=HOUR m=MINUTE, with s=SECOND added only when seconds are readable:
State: h=2 m=38
